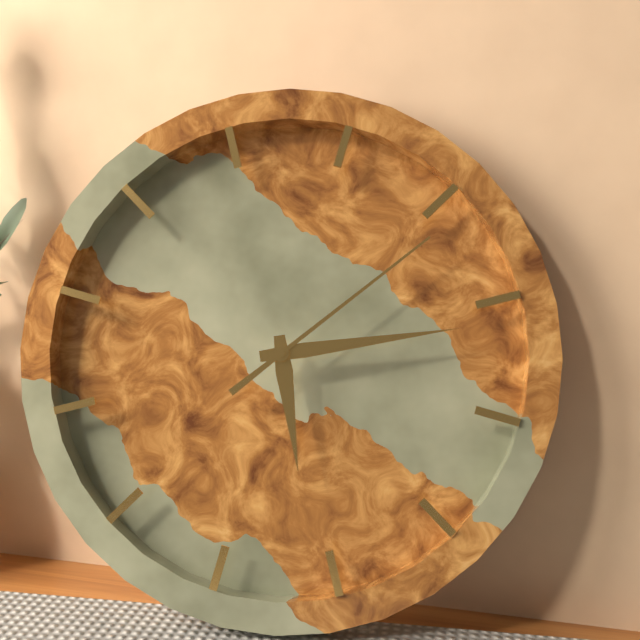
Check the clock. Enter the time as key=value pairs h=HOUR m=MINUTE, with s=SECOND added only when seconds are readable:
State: h=5 m=11 s=6
